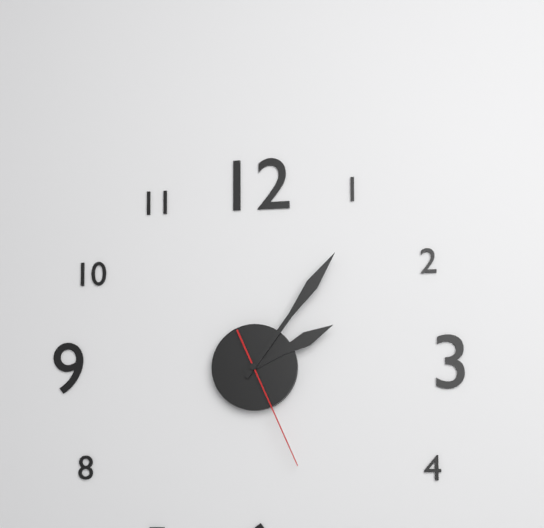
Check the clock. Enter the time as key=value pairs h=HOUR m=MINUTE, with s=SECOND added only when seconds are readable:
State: h=2 m=6 s=26
